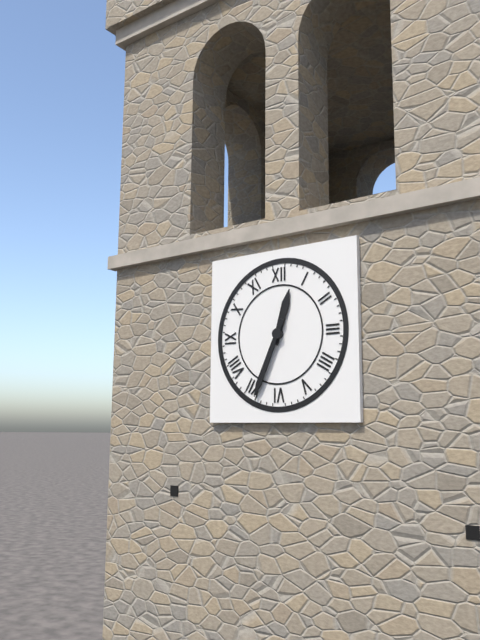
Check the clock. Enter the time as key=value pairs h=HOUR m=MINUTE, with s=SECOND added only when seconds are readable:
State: h=12 m=34
